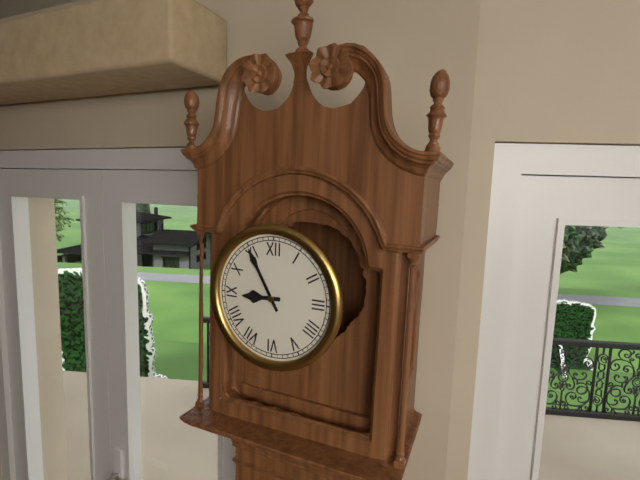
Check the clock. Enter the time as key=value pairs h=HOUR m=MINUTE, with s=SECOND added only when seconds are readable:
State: h=8 m=55
